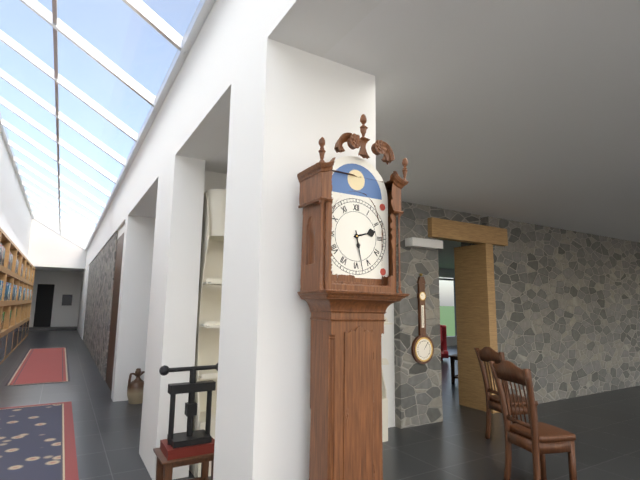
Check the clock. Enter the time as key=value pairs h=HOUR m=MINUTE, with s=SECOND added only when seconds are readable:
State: h=2 m=28
